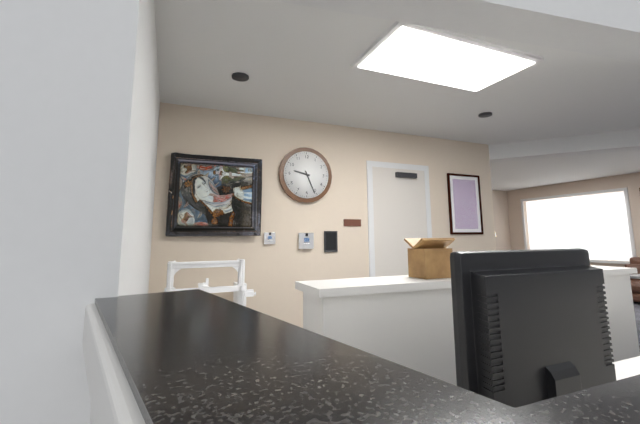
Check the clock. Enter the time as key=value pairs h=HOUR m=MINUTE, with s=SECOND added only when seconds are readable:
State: h=9 m=26
